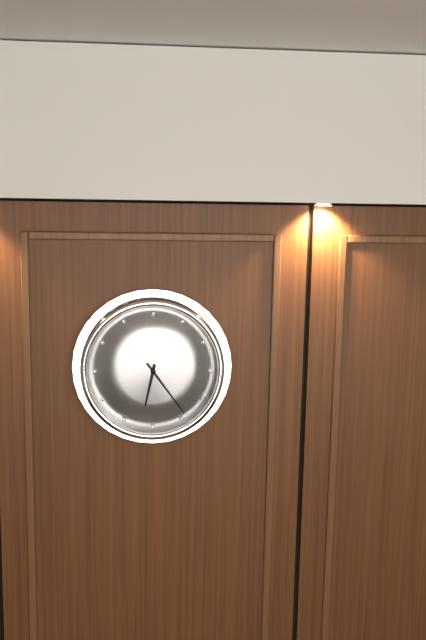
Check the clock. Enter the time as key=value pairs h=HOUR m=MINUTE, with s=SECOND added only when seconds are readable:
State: h=6 m=24
